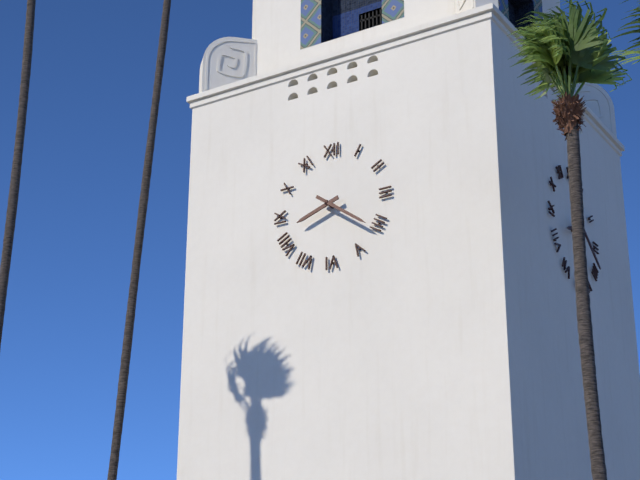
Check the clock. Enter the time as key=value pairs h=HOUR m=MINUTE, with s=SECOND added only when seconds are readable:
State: h=8 m=21
